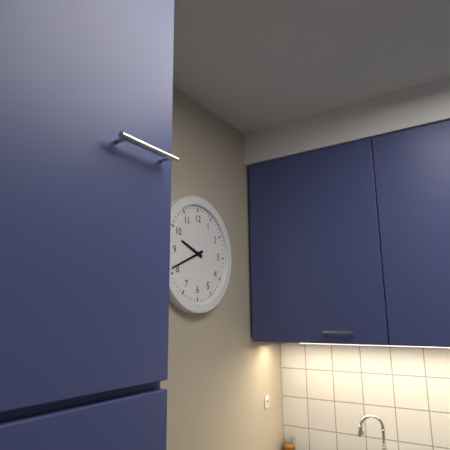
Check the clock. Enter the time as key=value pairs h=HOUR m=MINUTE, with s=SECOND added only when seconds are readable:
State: h=9 m=41
